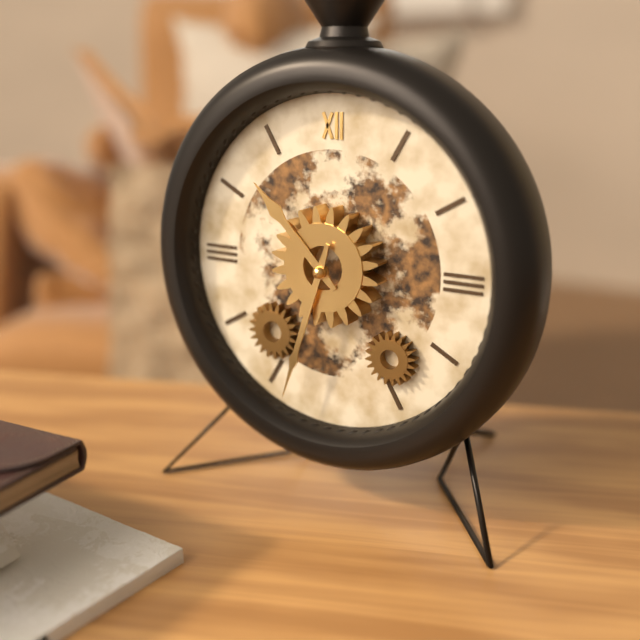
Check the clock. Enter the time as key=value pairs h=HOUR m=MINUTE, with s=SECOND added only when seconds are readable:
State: h=10 m=33
